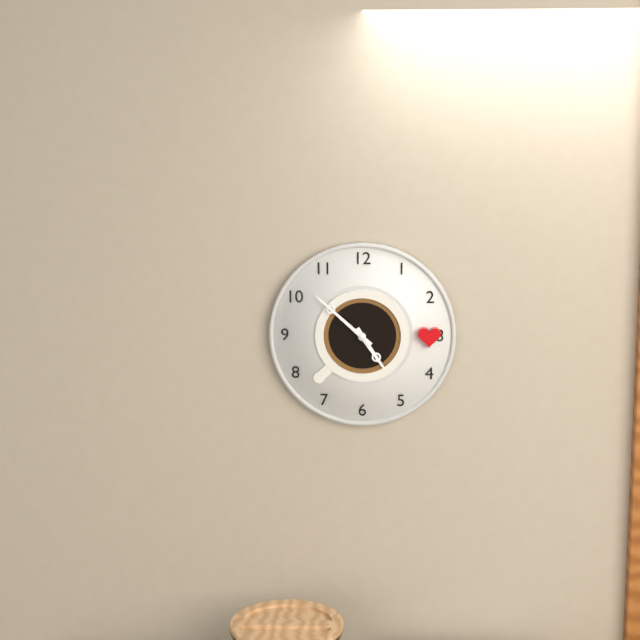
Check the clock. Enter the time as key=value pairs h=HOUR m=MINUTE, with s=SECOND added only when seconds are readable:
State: h=4 m=52
